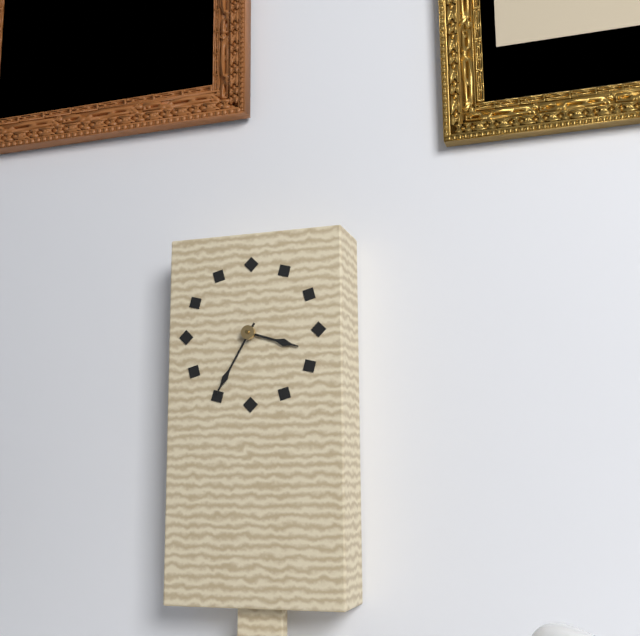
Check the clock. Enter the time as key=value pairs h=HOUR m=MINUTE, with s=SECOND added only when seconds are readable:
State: h=3 m=35
